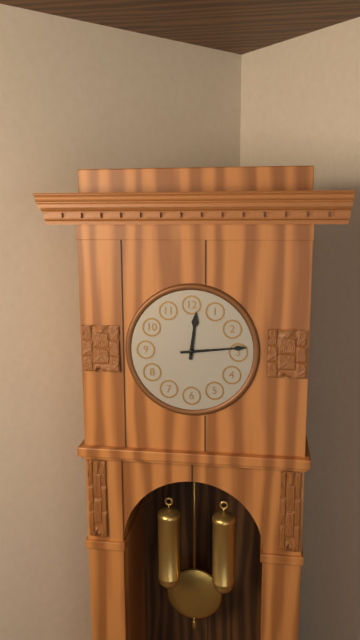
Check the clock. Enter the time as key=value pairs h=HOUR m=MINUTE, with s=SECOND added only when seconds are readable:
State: h=12 m=14
